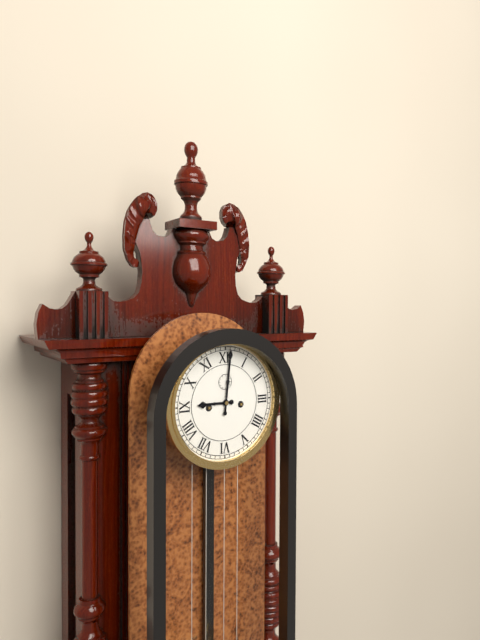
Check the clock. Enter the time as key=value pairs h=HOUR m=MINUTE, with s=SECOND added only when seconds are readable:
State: h=9 m=1
